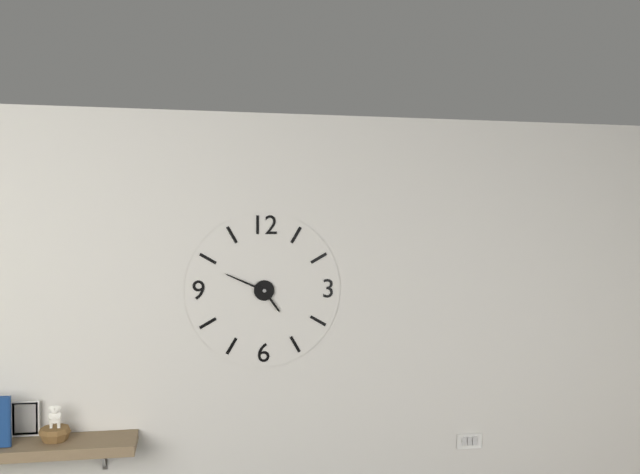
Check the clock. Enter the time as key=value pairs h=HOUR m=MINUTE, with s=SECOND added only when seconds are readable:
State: h=4 m=49
